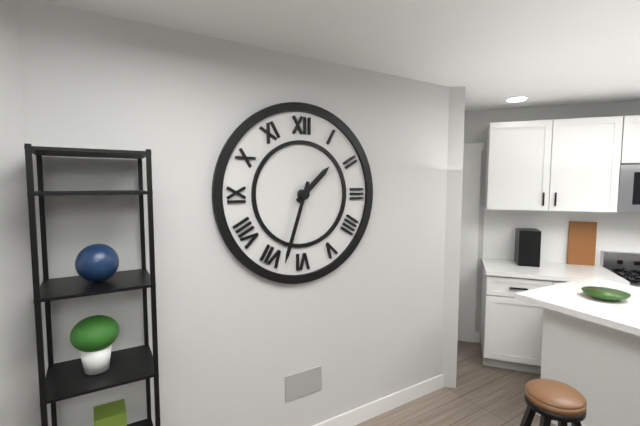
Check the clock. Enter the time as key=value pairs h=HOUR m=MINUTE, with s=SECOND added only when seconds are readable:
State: h=1 m=33
